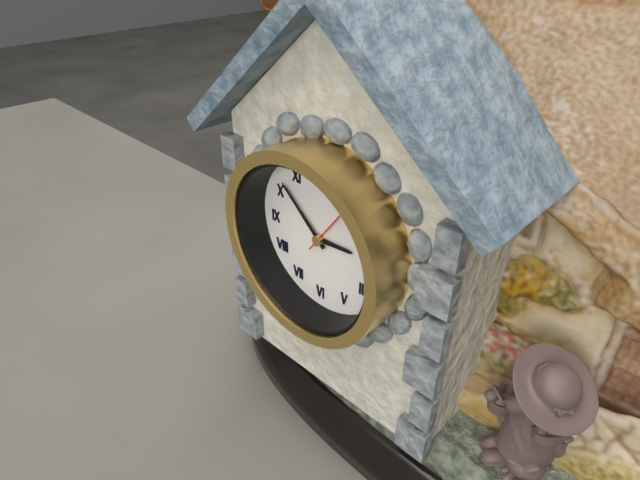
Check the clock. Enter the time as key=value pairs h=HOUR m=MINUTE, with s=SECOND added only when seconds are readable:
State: h=2 m=52
